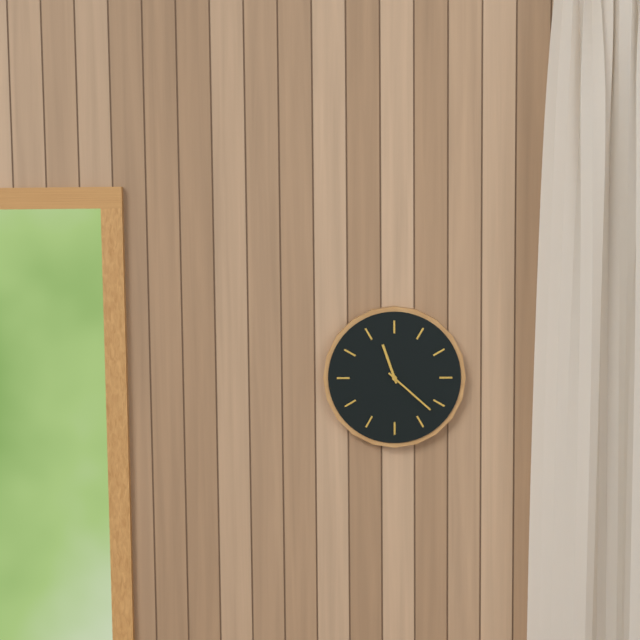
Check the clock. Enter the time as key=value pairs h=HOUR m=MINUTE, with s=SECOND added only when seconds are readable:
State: h=11 m=22
